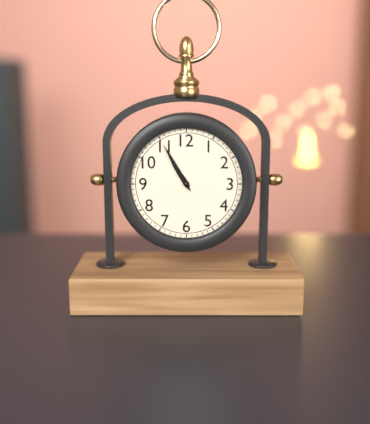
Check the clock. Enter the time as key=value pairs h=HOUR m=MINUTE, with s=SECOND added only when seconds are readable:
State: h=10 m=55
